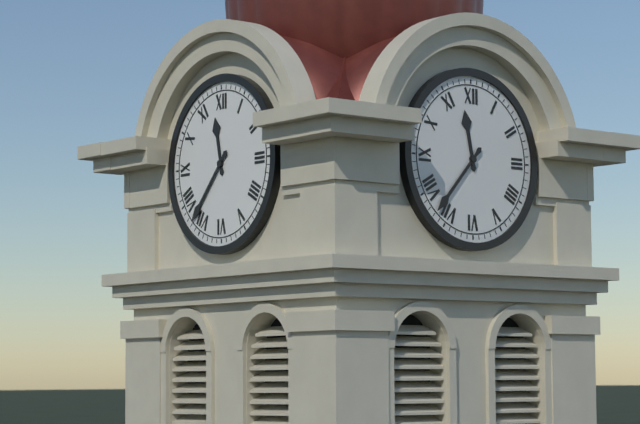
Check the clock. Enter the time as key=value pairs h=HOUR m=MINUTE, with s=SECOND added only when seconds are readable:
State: h=11 m=37
